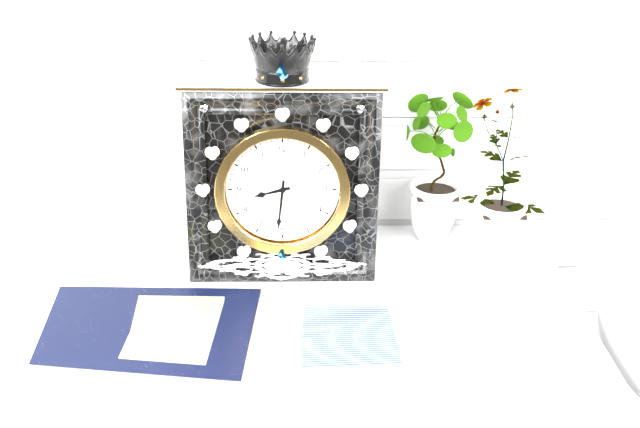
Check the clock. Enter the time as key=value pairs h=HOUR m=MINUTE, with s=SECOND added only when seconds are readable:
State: h=8 m=31
